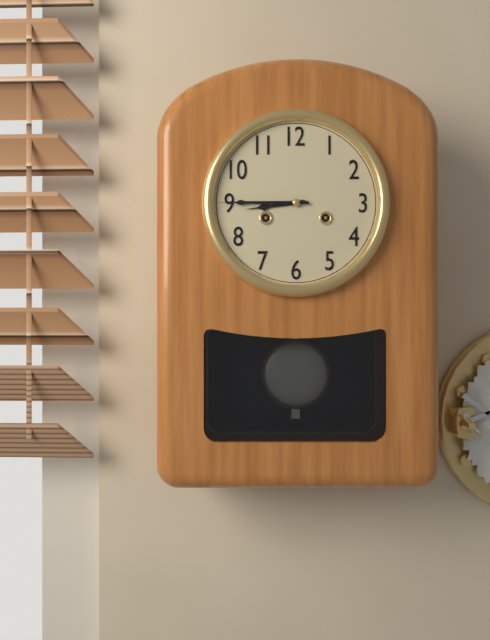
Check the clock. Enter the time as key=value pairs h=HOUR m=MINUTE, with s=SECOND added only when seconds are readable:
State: h=8 m=45
